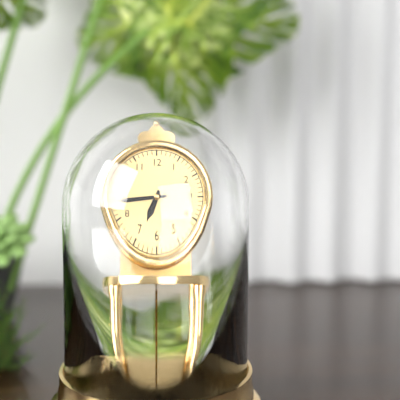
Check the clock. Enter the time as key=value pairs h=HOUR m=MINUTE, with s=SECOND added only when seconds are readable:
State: h=6 m=44
